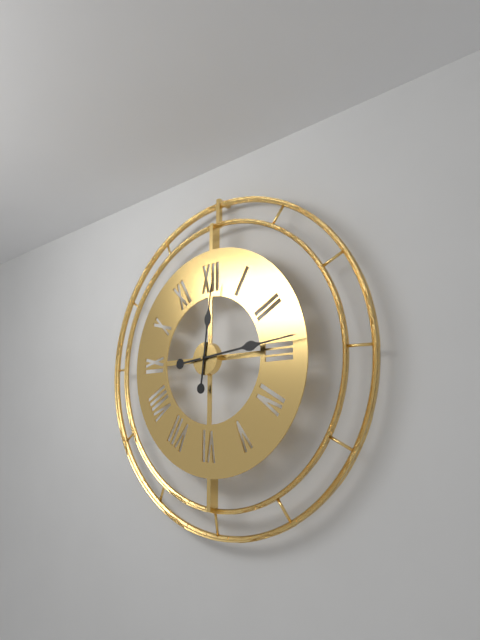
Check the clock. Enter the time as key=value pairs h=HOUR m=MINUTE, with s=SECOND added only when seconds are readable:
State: h=12 m=14
